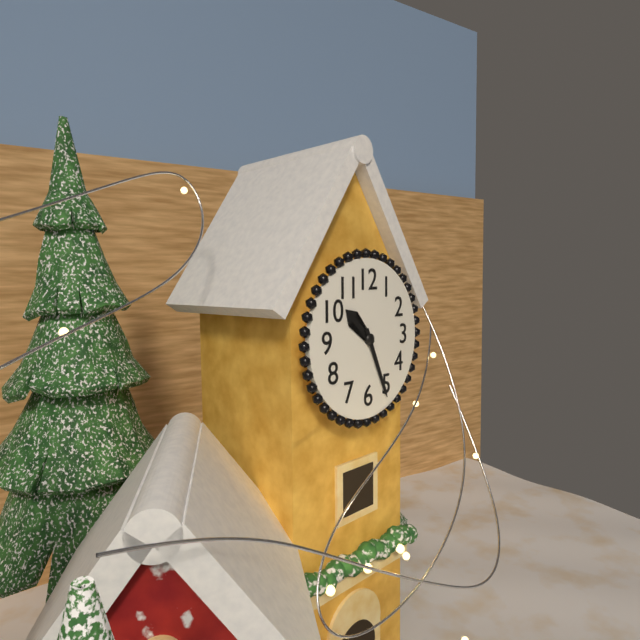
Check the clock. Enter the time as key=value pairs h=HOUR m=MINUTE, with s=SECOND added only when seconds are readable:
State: h=10 m=26
